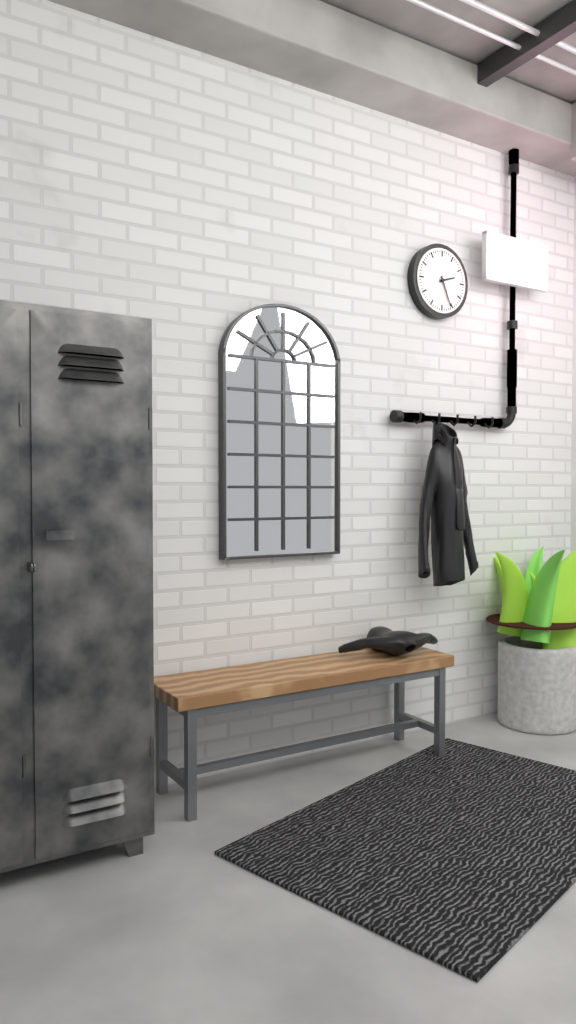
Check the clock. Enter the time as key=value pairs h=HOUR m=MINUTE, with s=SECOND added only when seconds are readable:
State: h=2 m=26
